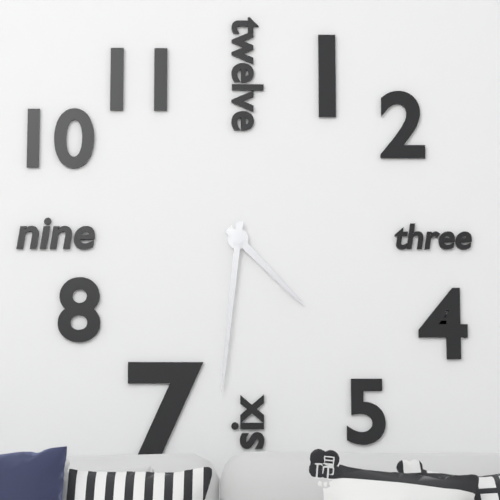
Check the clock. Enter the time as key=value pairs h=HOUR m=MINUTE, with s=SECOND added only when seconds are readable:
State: h=4 m=31
